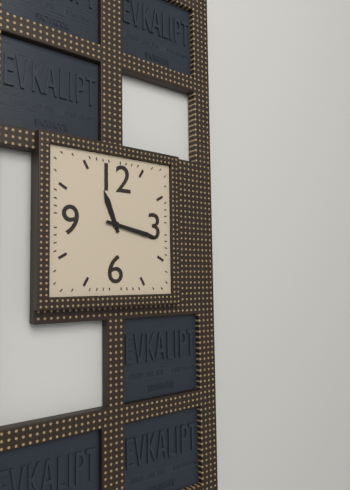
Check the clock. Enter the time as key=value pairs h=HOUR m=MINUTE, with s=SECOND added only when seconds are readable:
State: h=11 m=17
